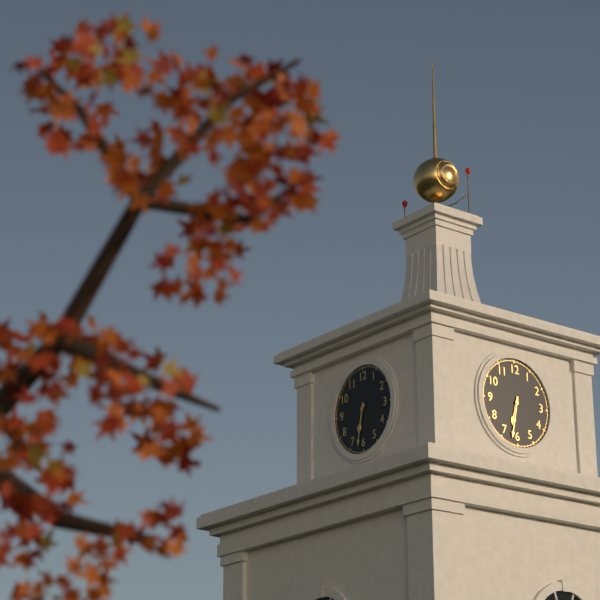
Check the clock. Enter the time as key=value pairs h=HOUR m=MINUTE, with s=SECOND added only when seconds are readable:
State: h=6 m=32
